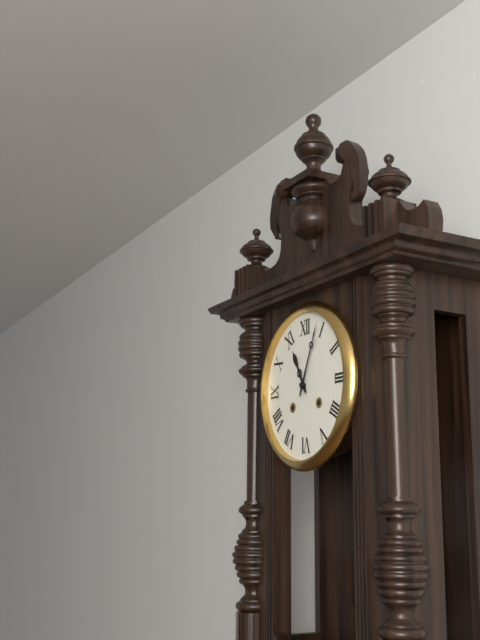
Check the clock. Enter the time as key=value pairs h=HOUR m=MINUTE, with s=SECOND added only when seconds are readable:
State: h=11 m=4
